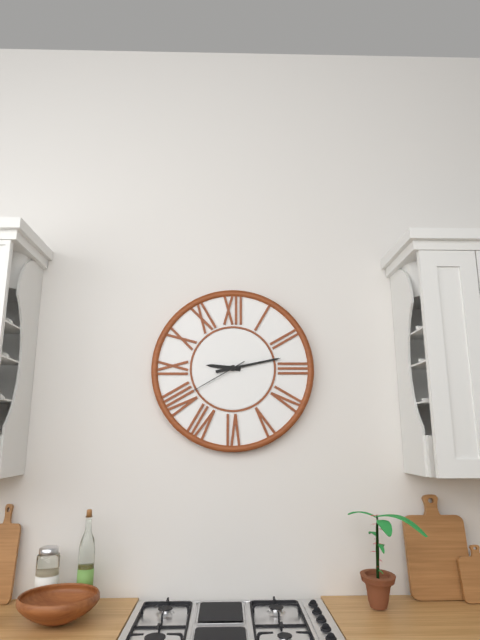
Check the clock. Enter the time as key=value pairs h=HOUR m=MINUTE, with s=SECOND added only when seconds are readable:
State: h=9 m=13 s=40
